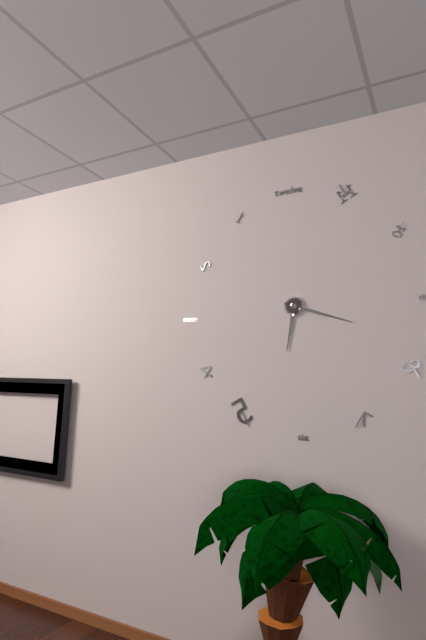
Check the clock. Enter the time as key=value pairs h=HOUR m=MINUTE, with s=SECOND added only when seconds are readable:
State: h=6 m=18
